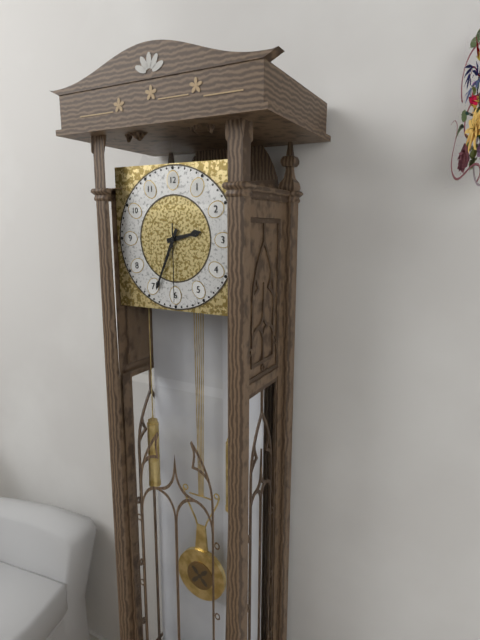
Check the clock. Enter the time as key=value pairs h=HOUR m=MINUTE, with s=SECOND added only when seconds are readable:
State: h=2 m=34 s=30
